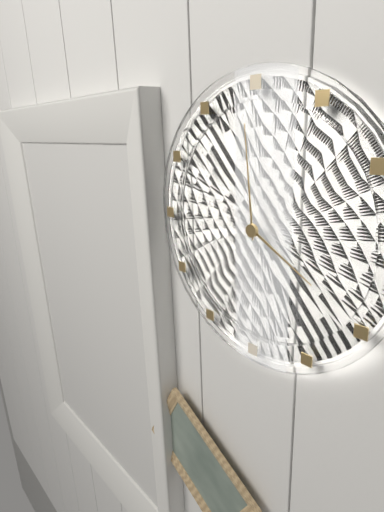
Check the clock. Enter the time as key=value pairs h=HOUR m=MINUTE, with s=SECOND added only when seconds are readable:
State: h=3 m=59
